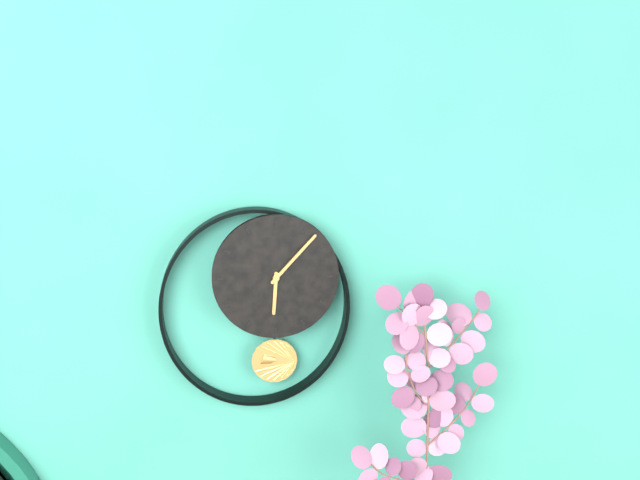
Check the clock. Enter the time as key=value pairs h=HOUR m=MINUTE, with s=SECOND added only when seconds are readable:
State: h=6 m=7
